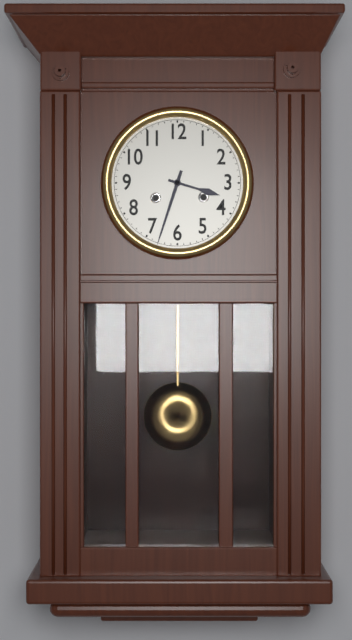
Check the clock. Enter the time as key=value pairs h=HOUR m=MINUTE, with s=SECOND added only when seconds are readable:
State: h=3 m=33
